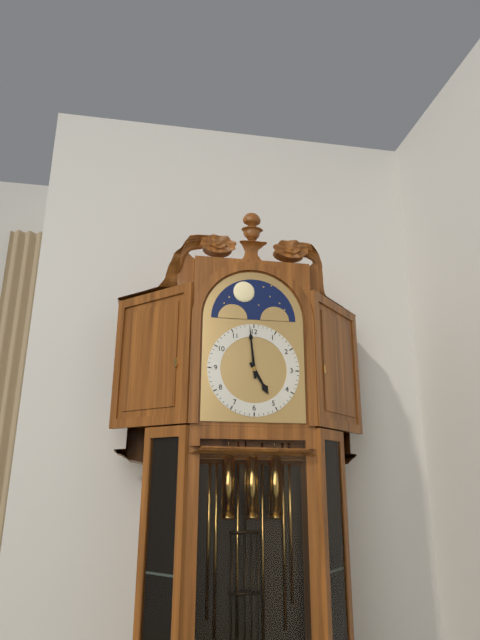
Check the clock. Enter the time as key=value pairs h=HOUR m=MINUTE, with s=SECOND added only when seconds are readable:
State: h=4 m=59
